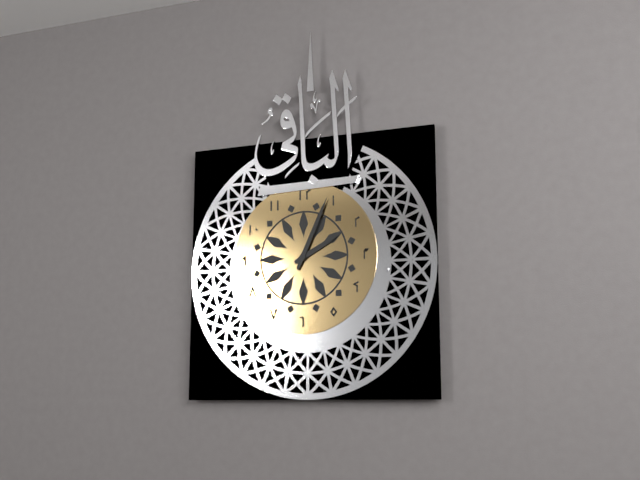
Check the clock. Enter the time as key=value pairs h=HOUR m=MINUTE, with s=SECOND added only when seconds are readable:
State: h=2 m=4
